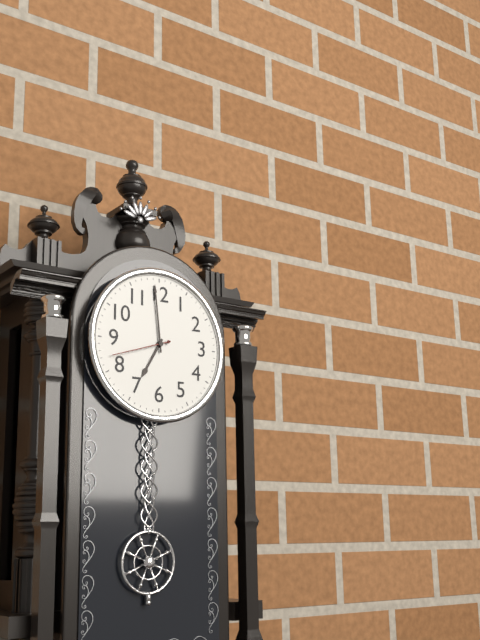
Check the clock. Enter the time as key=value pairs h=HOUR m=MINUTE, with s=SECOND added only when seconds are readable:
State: h=6 m=59 s=42
